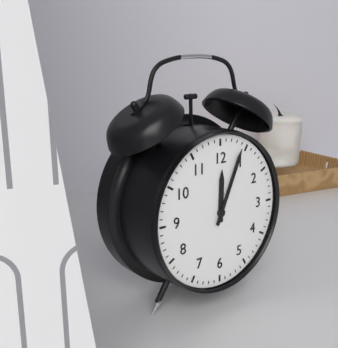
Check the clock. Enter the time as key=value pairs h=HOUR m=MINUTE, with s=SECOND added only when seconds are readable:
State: h=12 m=4
